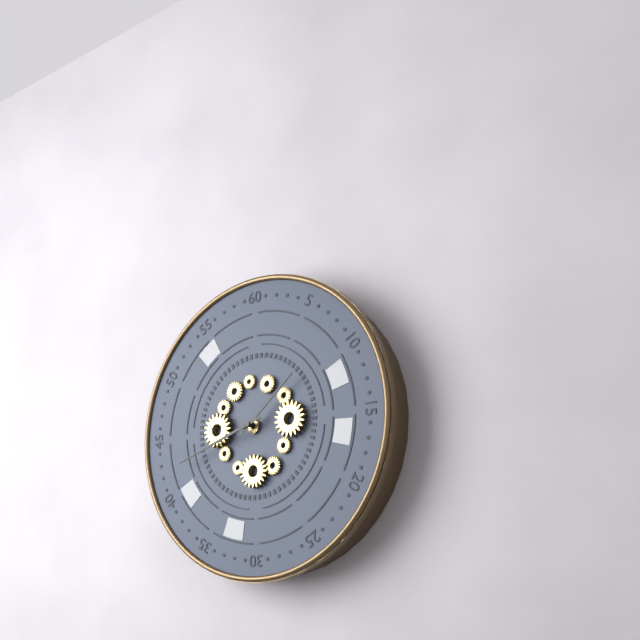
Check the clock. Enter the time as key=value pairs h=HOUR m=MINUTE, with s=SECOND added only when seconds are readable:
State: h=1 m=42
